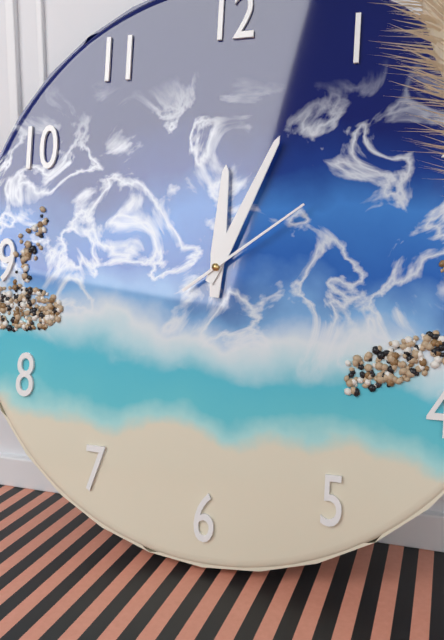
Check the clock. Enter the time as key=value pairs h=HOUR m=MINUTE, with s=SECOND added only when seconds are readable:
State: h=12 m=4 s=9
